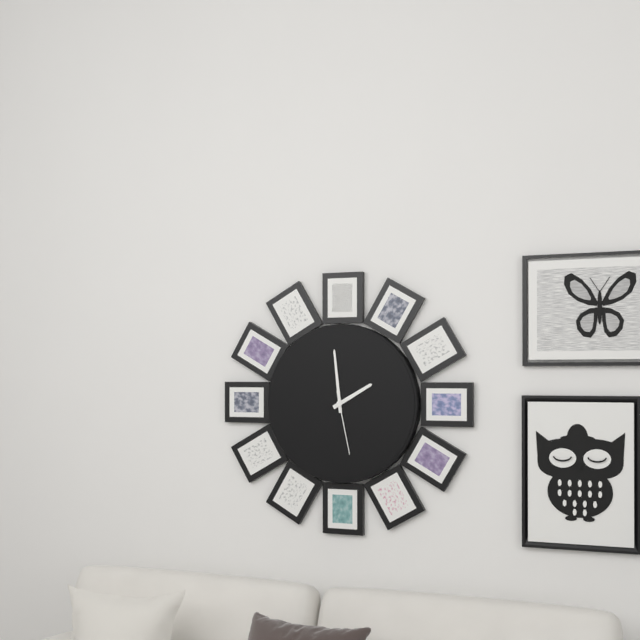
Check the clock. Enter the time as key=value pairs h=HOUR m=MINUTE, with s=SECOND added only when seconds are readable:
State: h=1 m=59 s=28
